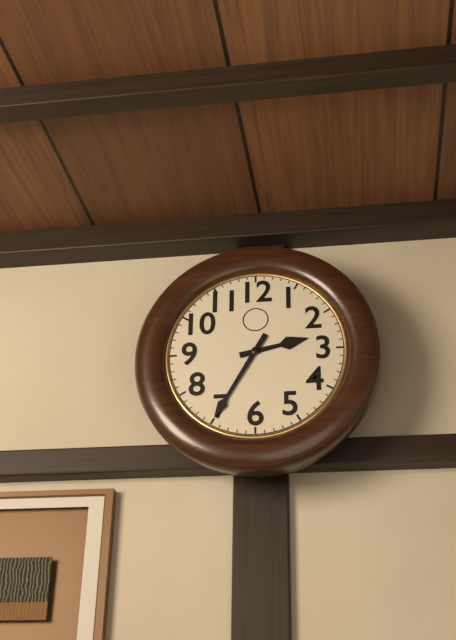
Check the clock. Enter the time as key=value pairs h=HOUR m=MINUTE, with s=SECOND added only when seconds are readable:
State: h=2 m=35
